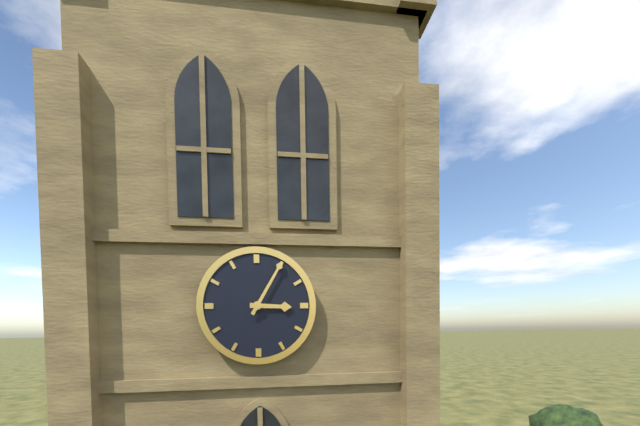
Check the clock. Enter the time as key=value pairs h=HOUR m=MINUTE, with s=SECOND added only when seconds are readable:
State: h=3 m=5
